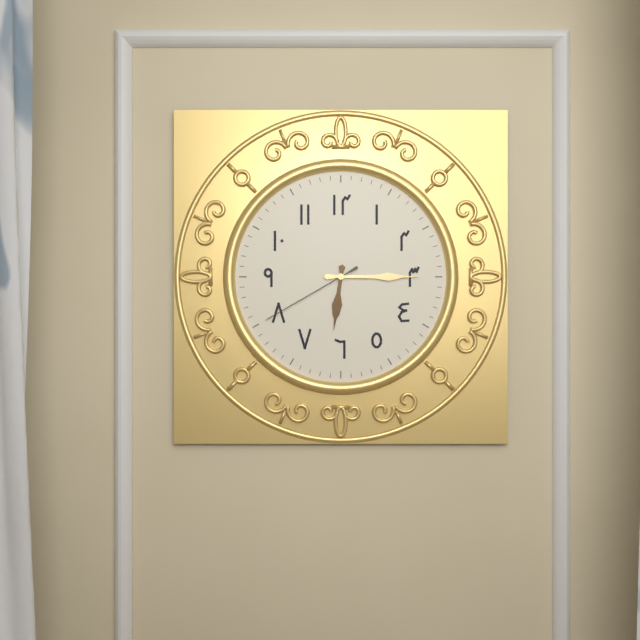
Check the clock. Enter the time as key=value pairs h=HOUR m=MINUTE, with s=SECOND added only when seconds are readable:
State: h=6 m=15 s=40
